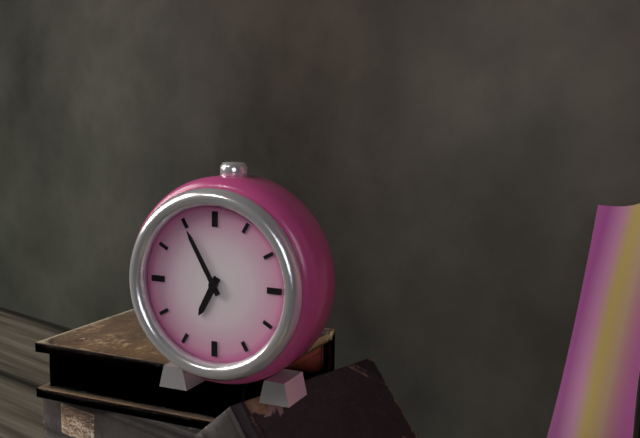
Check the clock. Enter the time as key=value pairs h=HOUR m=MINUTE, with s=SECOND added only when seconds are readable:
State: h=6 m=55
